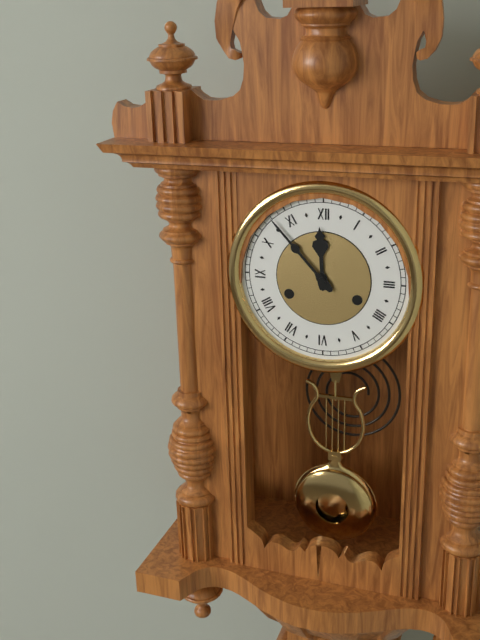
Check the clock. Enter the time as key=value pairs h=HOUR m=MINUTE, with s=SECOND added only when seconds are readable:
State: h=11 m=53
